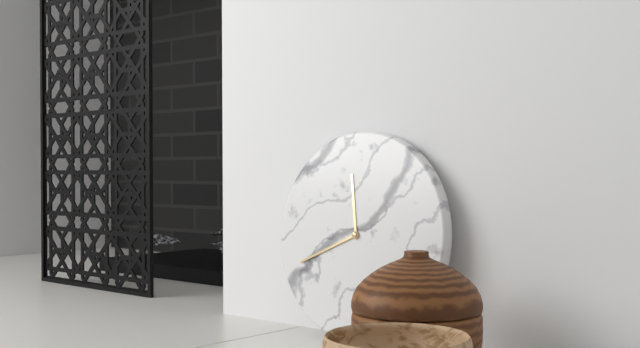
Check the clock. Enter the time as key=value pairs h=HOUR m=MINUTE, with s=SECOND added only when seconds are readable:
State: h=11 m=41
